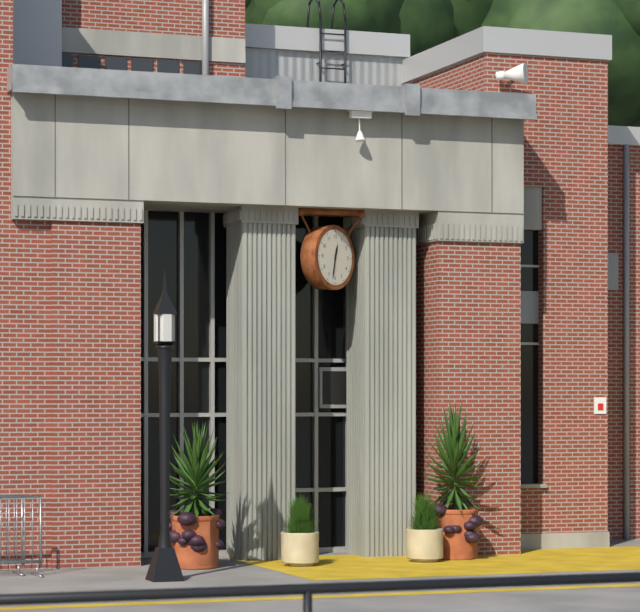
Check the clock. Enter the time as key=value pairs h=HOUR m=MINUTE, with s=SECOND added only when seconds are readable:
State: h=12 m=32
